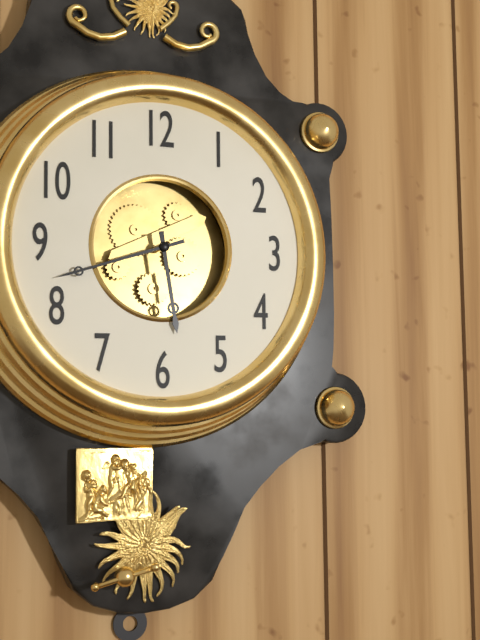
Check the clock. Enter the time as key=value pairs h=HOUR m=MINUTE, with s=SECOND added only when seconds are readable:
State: h=5 m=42
